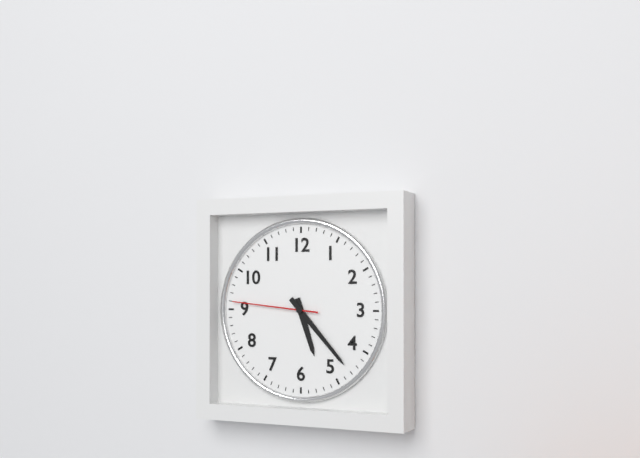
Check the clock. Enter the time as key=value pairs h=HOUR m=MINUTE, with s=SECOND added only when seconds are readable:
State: h=5 m=23 s=46
